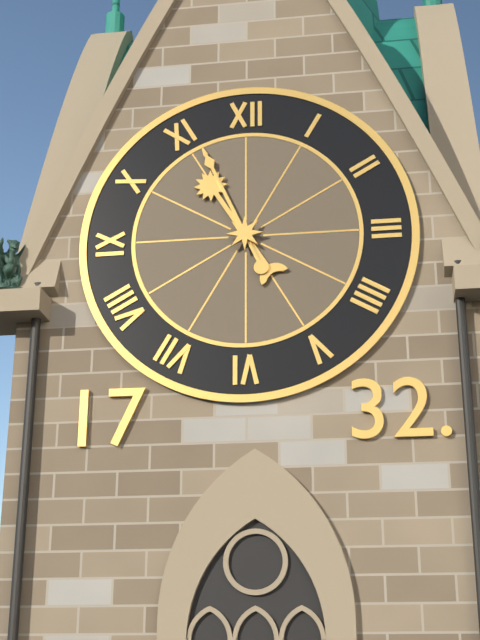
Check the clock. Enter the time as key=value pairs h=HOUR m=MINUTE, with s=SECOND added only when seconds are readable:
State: h=10 m=56
